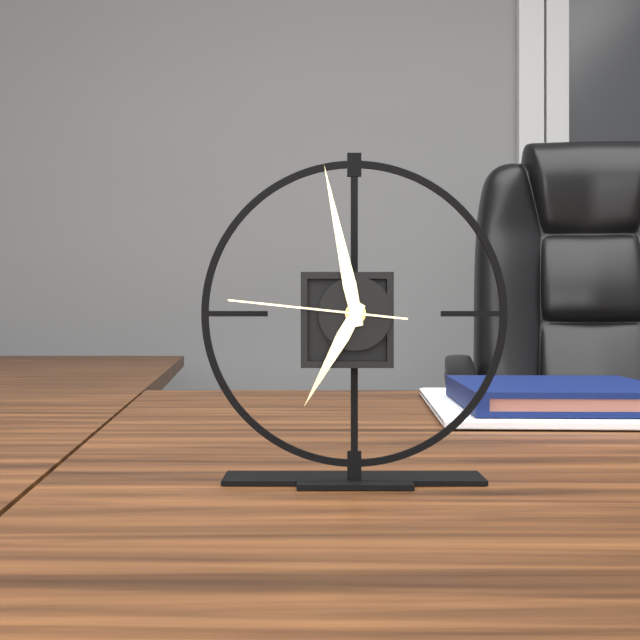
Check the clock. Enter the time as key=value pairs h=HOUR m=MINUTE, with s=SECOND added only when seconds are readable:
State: h=6 m=58 s=46
